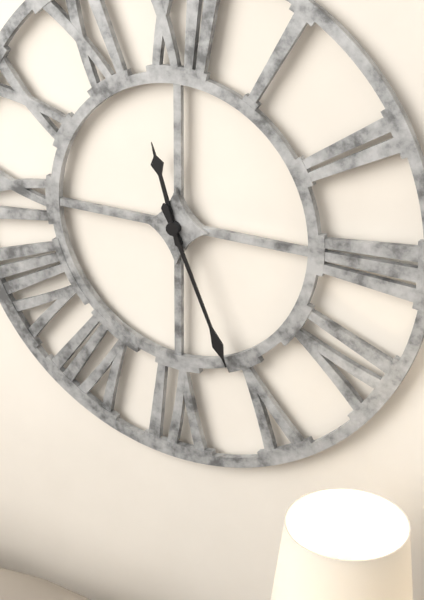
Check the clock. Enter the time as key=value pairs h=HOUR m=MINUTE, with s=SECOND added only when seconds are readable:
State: h=11 m=26
